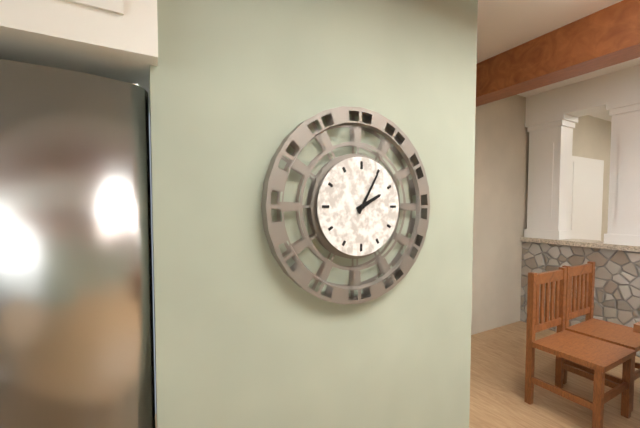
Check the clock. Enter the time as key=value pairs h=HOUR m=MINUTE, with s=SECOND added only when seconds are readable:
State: h=2 m=5
